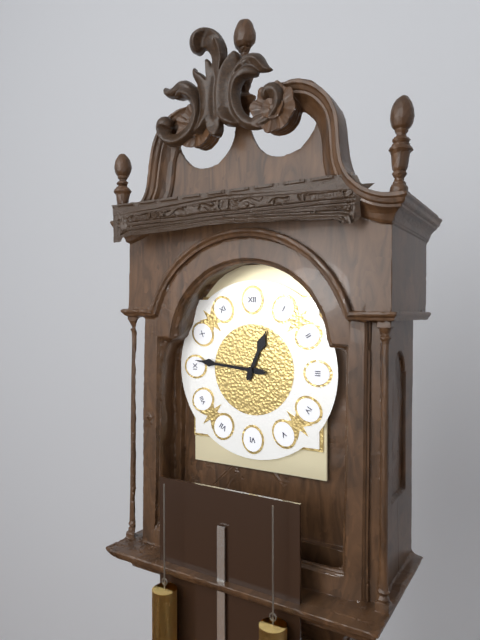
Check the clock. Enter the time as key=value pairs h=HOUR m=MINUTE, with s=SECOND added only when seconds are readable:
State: h=12 m=46
